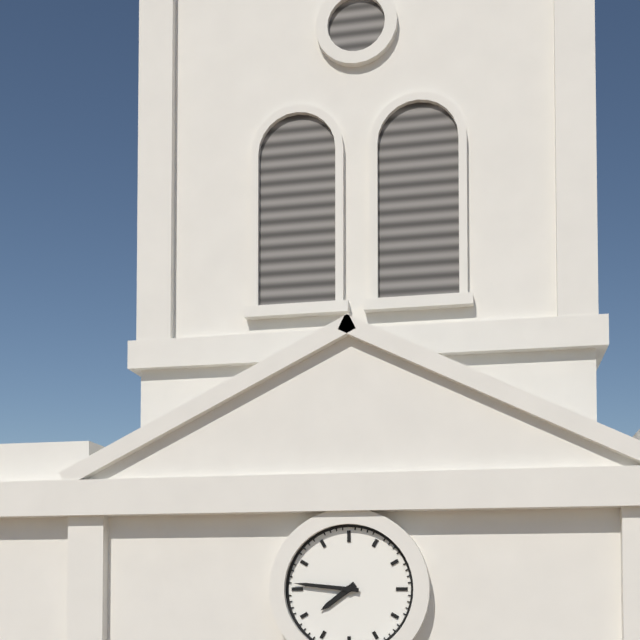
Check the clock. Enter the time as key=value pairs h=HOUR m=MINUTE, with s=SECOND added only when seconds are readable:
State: h=7 m=46
